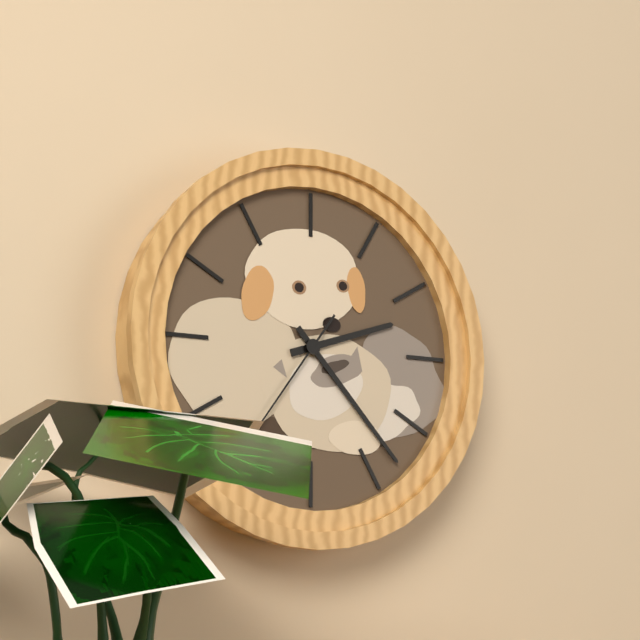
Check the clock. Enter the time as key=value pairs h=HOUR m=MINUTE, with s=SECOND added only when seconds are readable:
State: h=2 m=23
